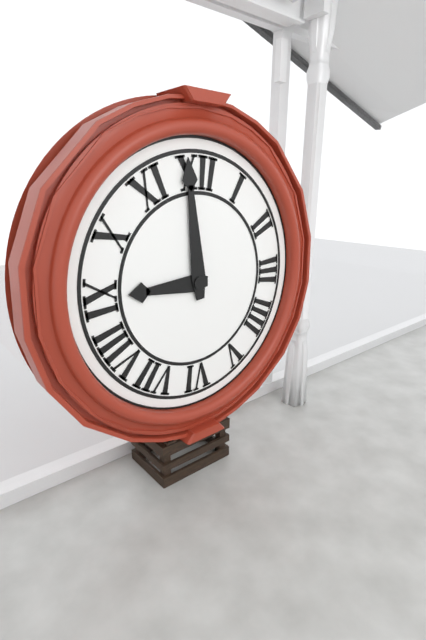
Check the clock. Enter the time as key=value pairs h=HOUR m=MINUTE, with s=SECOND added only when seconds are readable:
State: h=8 m=59
